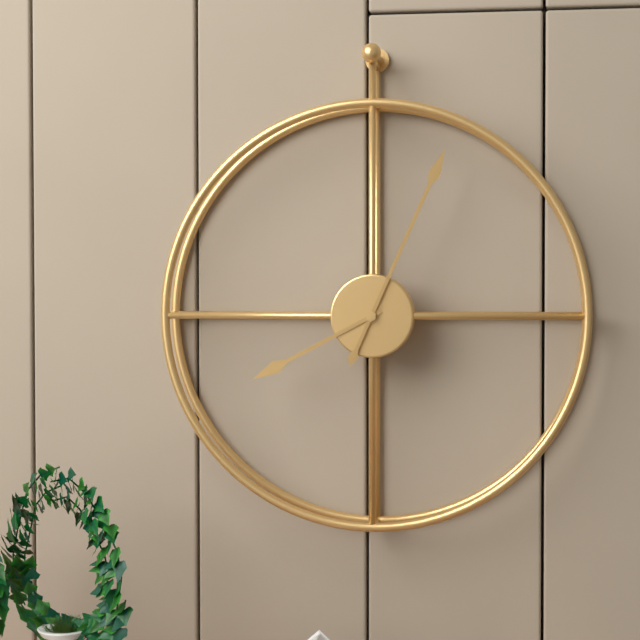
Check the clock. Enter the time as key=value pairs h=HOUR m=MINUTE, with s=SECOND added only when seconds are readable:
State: h=8 m=4
